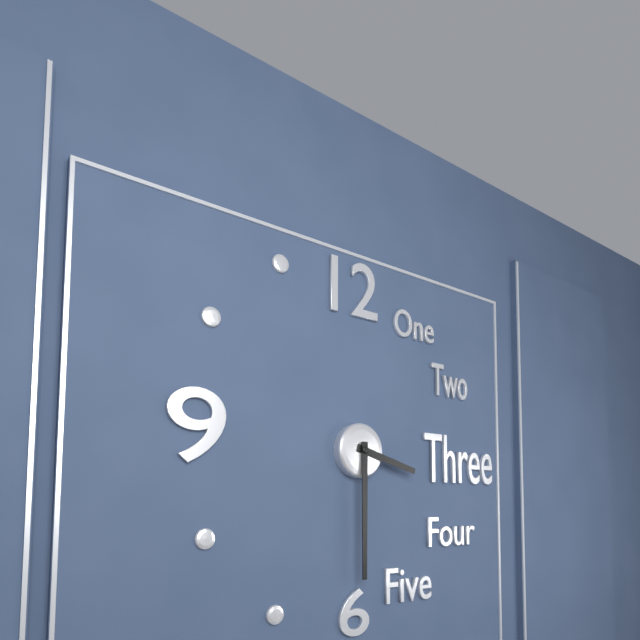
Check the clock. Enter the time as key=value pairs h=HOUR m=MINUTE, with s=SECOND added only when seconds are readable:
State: h=3 m=30
